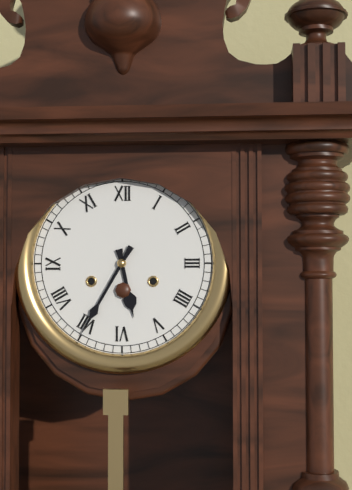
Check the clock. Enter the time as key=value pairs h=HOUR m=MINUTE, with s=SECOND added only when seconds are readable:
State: h=5 m=35
